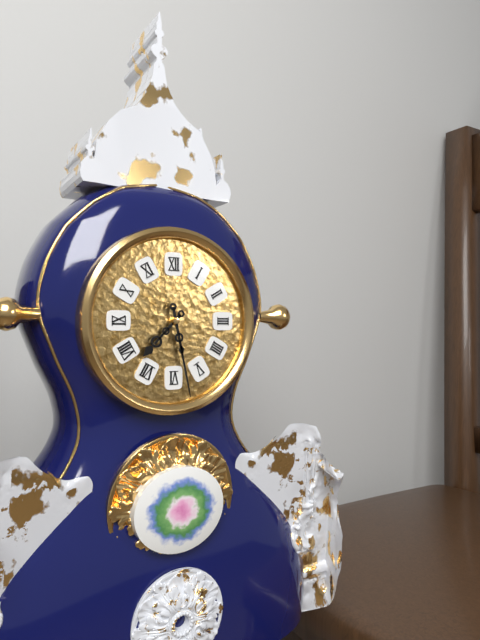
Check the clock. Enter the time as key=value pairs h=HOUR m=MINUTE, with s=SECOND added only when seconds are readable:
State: h=7 m=28
